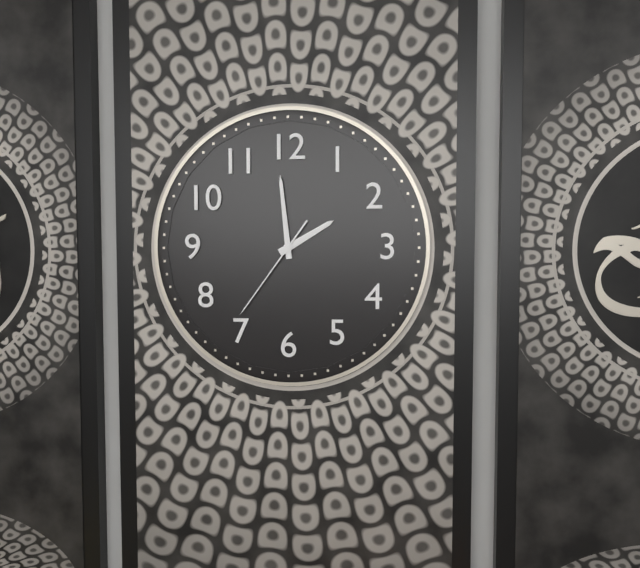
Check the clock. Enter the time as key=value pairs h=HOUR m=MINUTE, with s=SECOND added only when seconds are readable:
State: h=1 m=59 s=36
